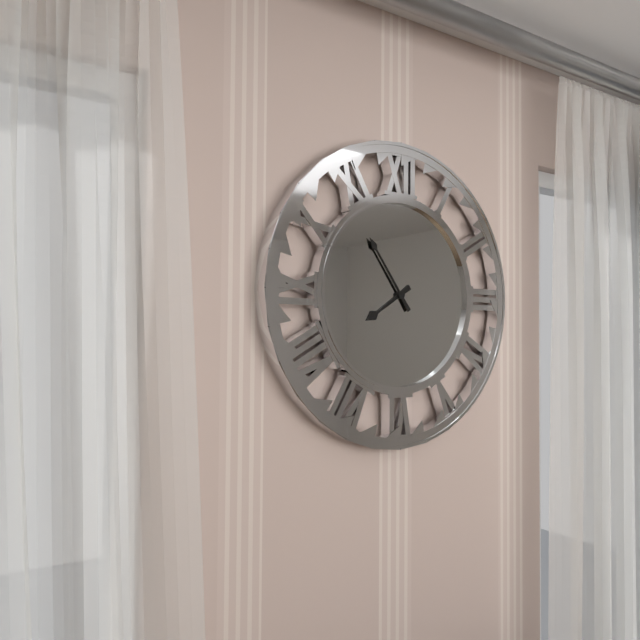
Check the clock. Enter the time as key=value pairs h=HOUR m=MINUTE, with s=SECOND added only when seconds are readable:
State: h=7 m=54
